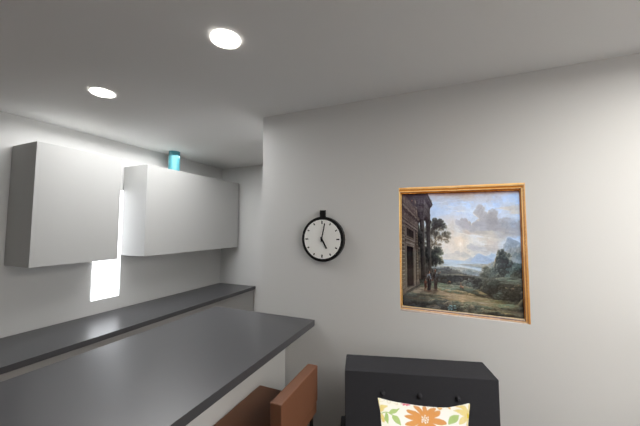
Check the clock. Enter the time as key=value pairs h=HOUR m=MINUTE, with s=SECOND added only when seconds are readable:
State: h=5 m=2
